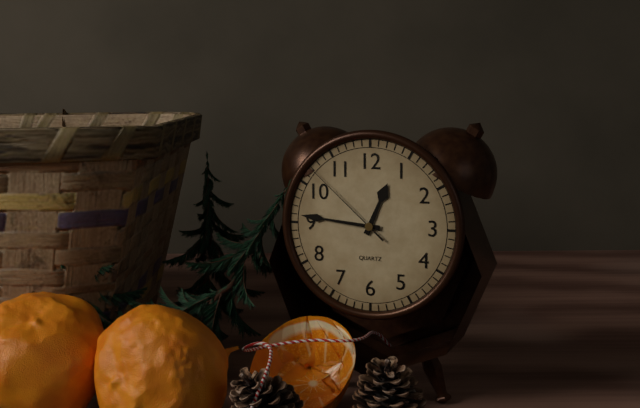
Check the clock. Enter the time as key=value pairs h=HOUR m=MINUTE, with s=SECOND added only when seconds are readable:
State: h=12 m=46 s=52
